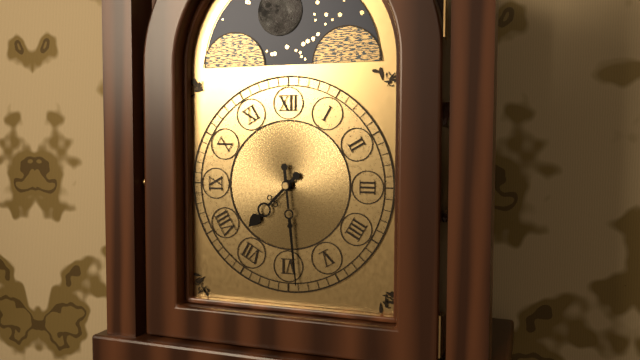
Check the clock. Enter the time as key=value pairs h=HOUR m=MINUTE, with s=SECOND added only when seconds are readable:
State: h=7 m=29
